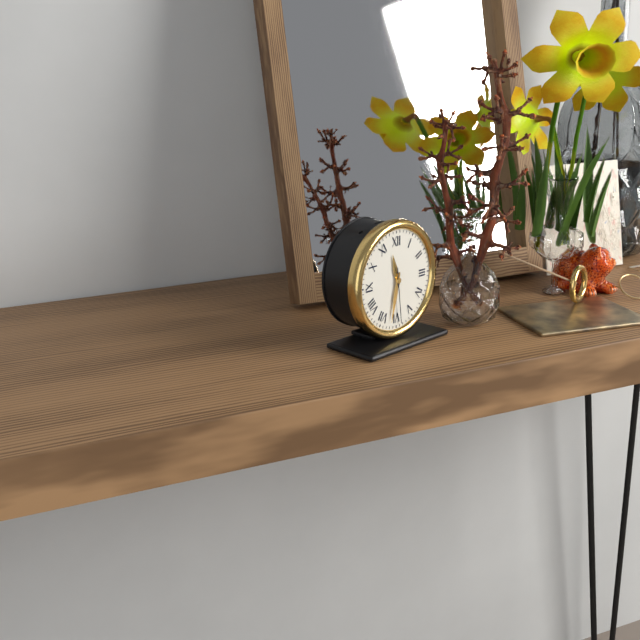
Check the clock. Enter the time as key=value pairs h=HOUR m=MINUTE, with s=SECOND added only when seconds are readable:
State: h=11 m=32 s=29
